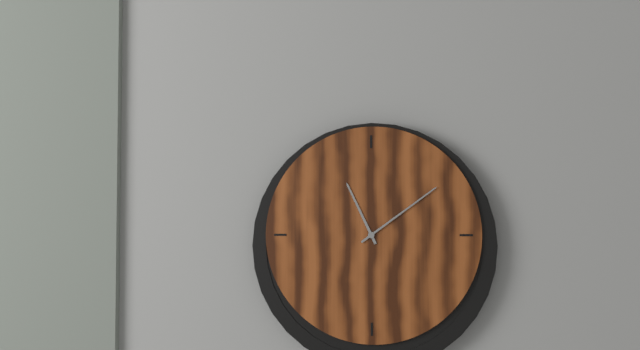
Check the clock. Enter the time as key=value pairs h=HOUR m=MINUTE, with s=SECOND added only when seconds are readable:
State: h=11 m=9
